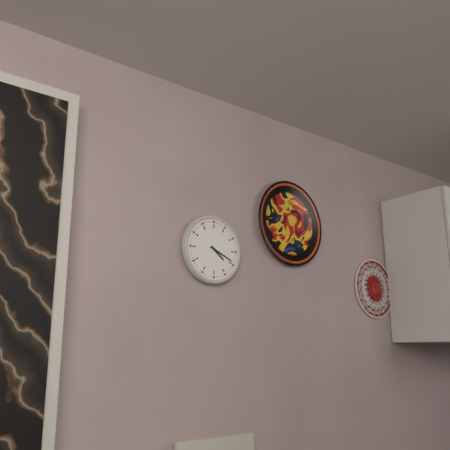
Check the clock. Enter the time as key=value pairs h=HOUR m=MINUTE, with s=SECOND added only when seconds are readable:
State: h=4 m=19
